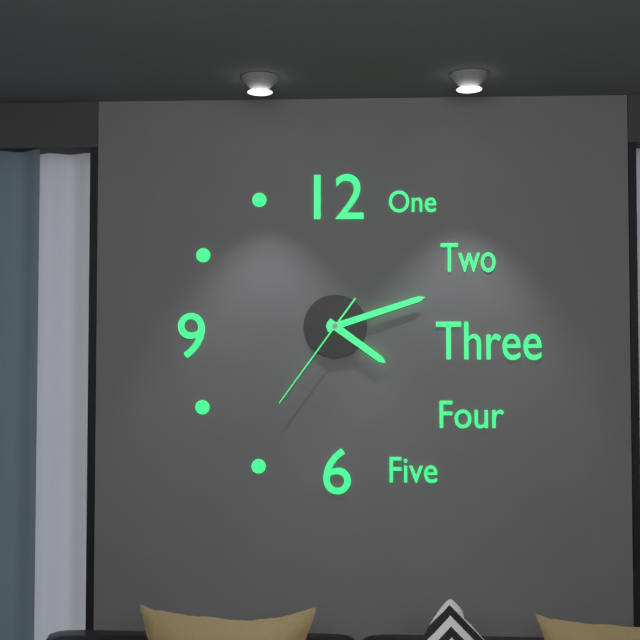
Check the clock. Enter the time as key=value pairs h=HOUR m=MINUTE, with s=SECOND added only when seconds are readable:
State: h=4 m=12 s=36
